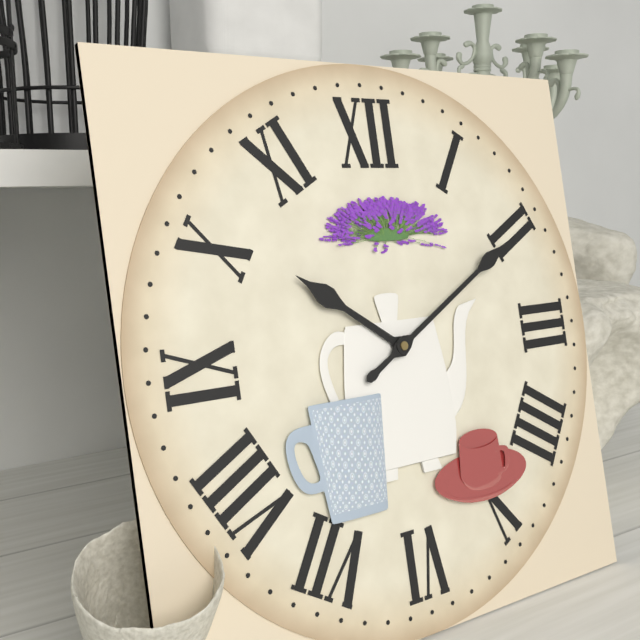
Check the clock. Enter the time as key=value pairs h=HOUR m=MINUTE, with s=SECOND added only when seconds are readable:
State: h=10 m=10
